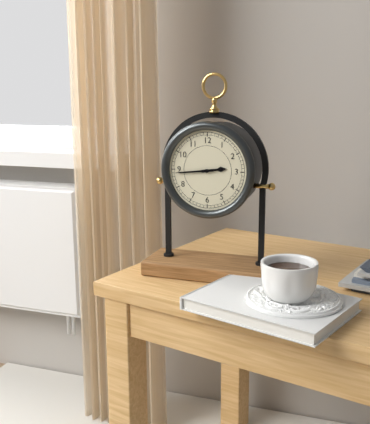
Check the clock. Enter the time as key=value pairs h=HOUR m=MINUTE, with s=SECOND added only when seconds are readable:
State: h=2 m=44
